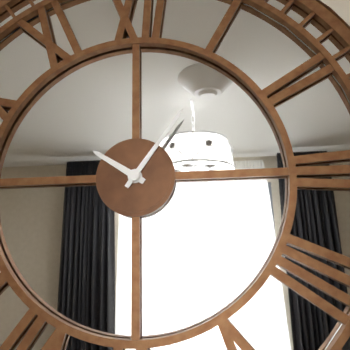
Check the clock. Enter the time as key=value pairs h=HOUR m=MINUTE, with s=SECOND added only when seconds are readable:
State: h=10 m=6
